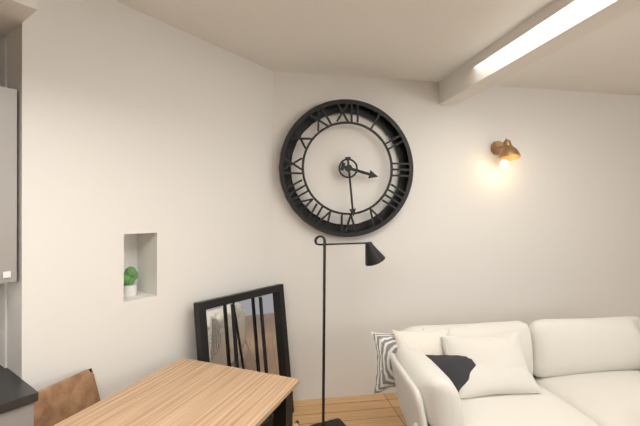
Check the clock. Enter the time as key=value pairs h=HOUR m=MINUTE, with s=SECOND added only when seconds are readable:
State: h=3 m=29
